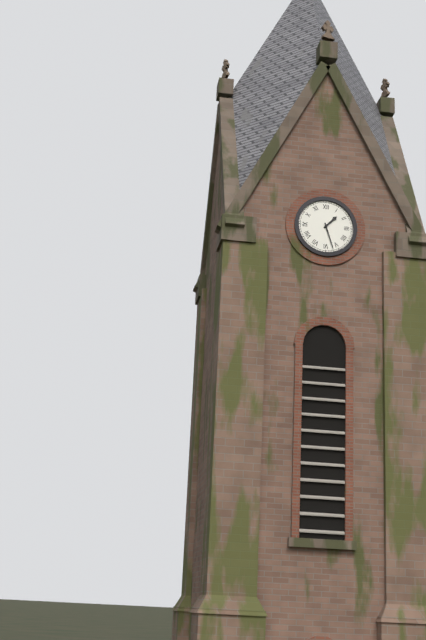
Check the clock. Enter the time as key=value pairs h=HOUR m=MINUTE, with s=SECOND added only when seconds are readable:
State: h=1 m=27
